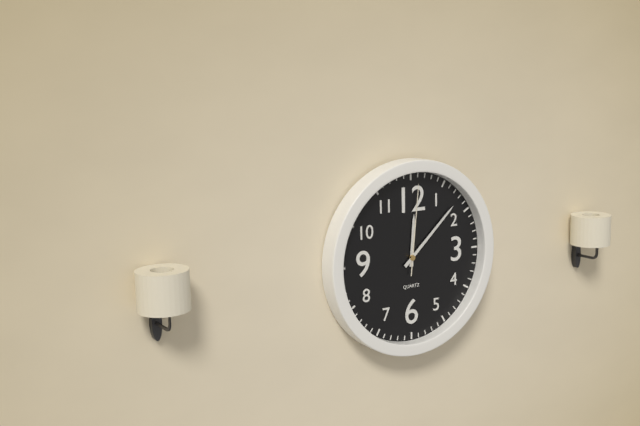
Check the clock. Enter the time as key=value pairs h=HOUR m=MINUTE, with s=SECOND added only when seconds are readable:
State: h=12 m=8 s=1
